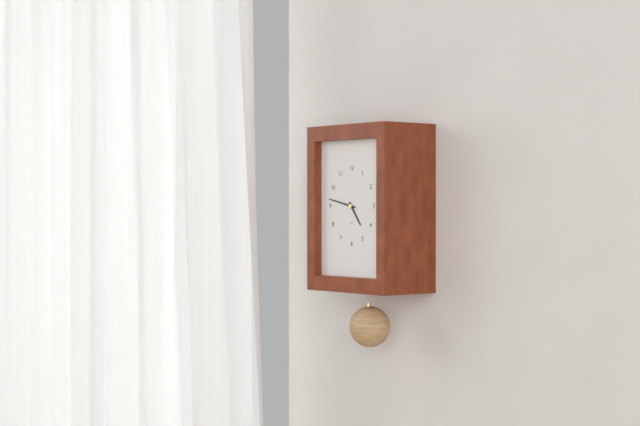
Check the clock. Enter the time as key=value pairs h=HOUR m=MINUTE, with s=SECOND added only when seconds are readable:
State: h=4 m=47
